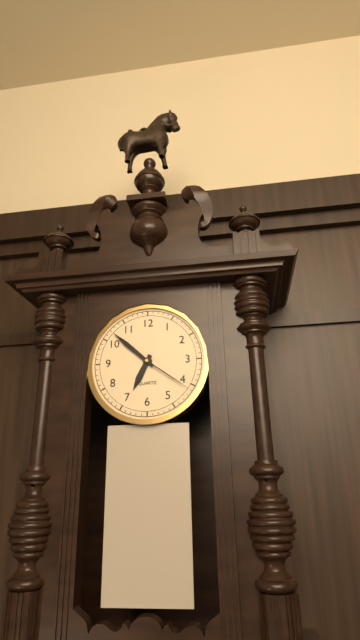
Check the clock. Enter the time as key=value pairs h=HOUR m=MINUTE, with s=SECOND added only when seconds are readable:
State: h=6 m=52 s=21
